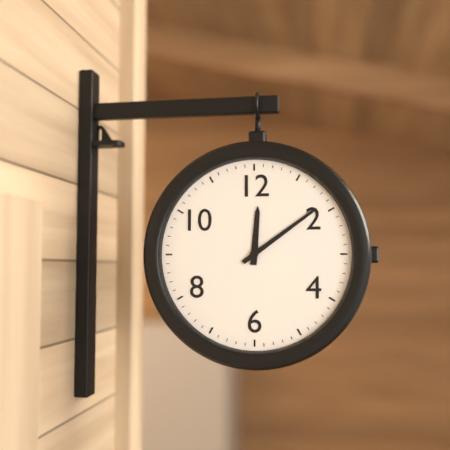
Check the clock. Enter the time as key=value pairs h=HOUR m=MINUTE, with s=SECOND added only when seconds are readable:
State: h=12 m=9
